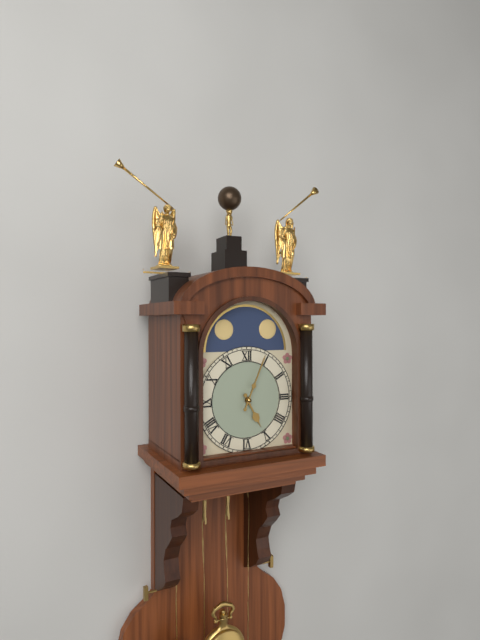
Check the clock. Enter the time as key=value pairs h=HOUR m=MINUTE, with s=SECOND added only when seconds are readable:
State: h=5 m=4
